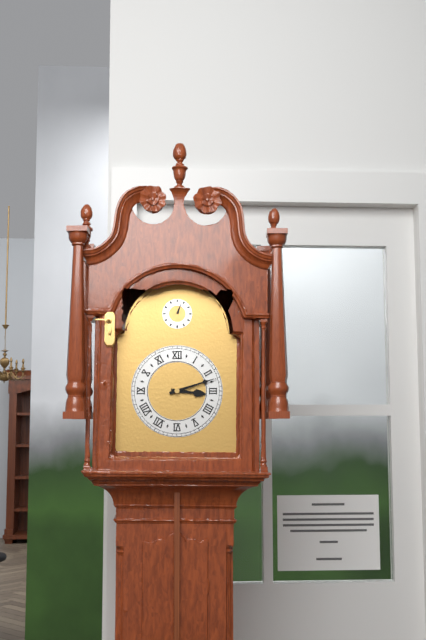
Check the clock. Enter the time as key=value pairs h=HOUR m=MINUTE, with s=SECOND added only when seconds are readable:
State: h=3 m=12
